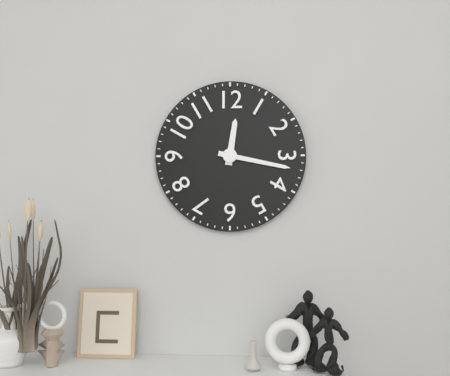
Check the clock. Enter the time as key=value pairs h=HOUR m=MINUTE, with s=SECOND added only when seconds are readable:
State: h=12 m=17
